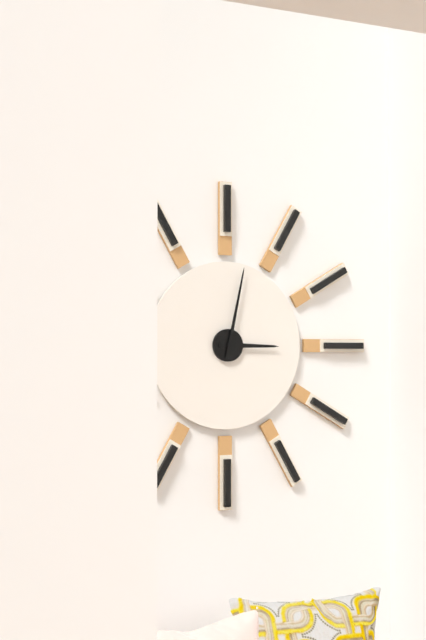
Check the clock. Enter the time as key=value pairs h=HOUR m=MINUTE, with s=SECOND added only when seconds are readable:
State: h=3 m=2
